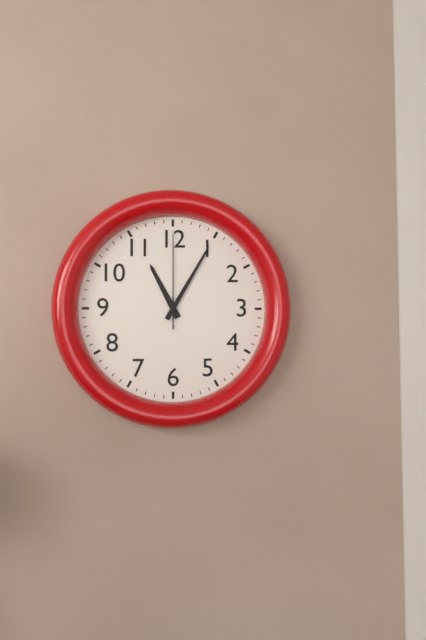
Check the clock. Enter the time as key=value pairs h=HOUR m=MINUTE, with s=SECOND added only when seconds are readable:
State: h=11 m=5 s=0
